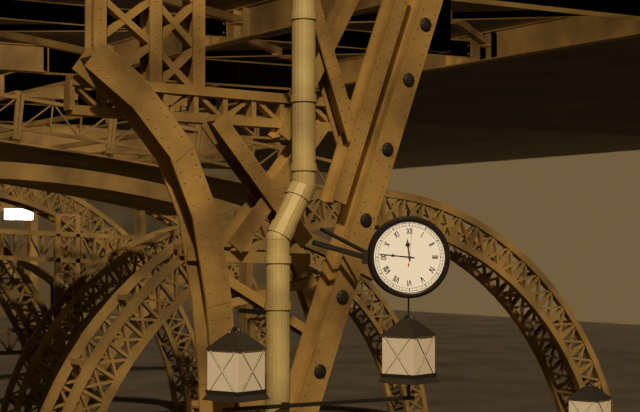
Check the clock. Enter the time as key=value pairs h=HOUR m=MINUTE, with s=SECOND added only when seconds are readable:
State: h=11 m=46
